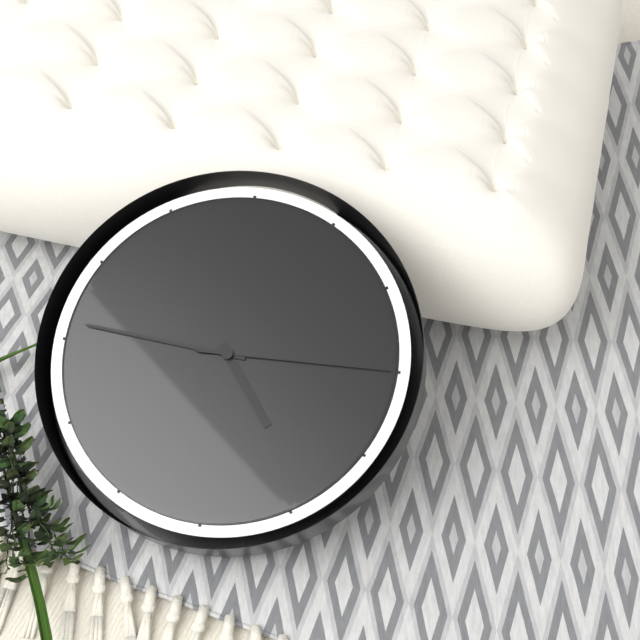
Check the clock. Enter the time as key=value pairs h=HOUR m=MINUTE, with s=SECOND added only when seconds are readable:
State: h=4 m=46 s=15
